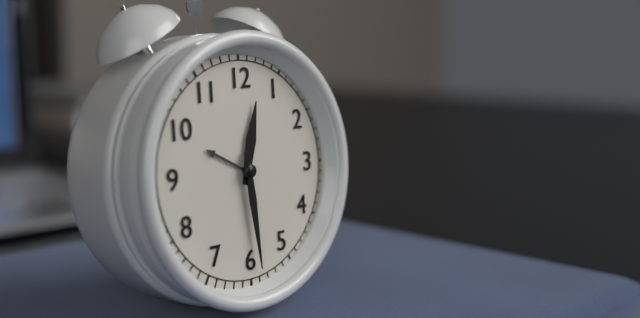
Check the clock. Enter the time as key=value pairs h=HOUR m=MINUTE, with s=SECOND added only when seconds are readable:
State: h=12 m=29
